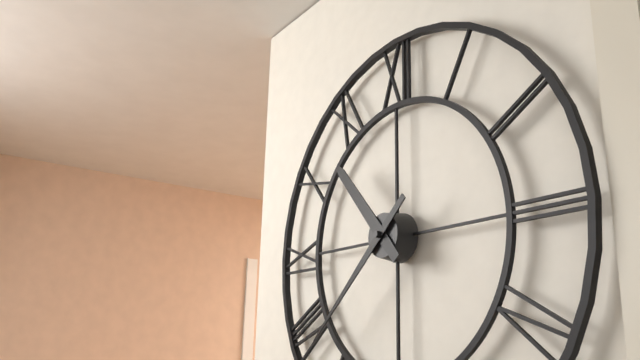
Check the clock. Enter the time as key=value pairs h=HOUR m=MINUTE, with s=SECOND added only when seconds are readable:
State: h=10 m=38
